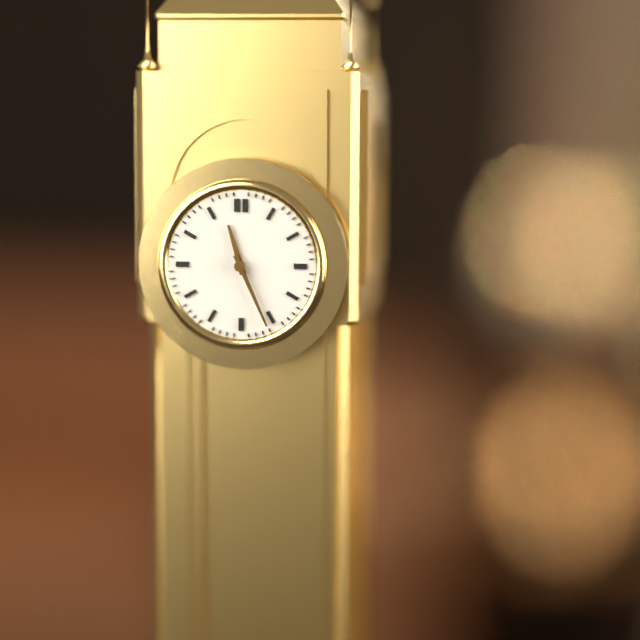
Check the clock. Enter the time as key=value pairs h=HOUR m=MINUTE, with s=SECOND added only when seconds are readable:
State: h=11 m=26
